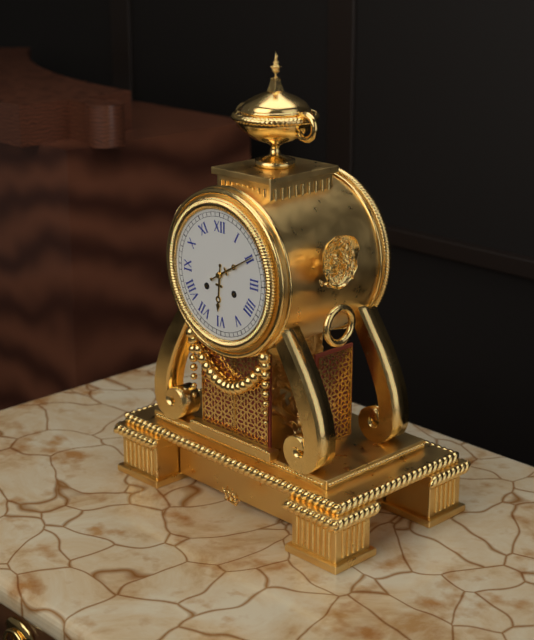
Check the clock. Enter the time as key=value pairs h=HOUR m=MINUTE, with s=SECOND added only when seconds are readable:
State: h=6 m=10
